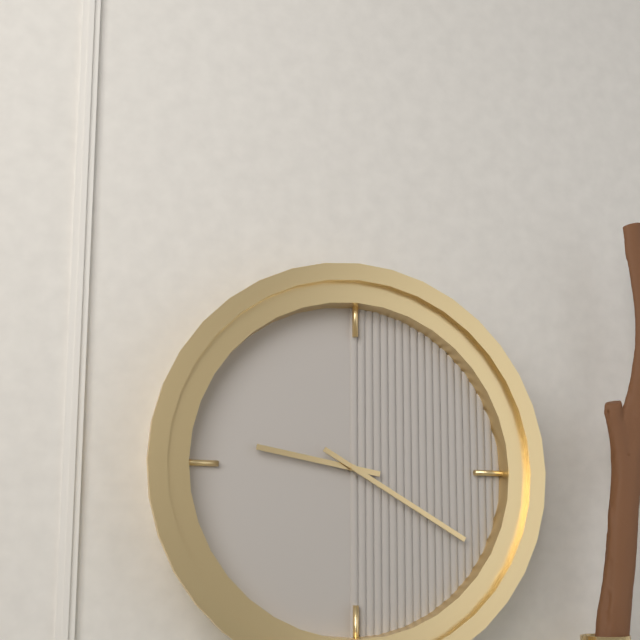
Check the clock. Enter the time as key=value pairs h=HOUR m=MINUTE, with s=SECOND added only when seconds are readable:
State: h=9 m=20
